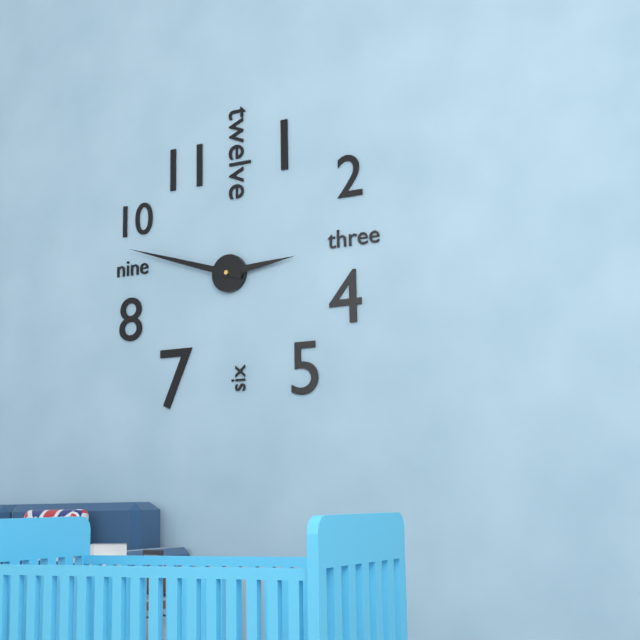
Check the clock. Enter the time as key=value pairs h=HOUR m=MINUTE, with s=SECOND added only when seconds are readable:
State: h=2 m=48
